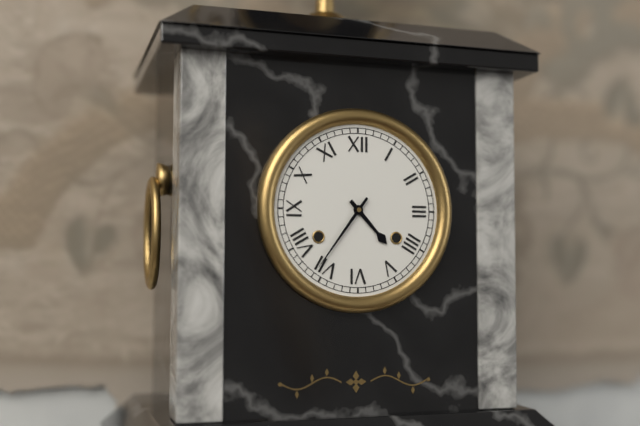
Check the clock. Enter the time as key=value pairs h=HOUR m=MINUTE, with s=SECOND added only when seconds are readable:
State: h=4 m=36
